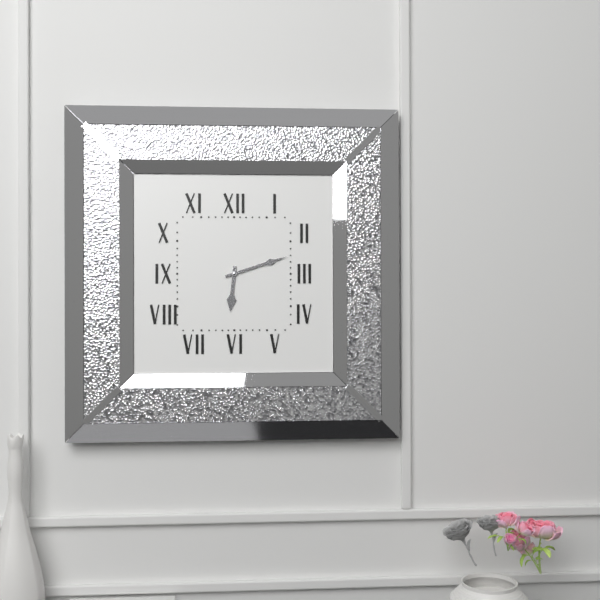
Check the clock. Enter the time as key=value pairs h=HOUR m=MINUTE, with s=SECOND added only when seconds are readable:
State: h=6 m=12
